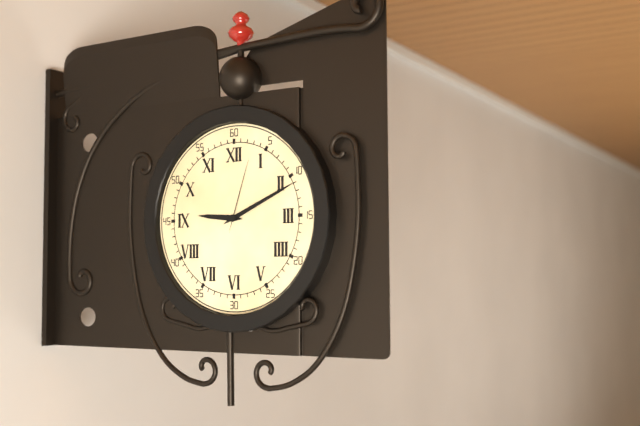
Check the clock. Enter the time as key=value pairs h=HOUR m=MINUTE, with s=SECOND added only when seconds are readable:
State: h=9 m=11 s=3
